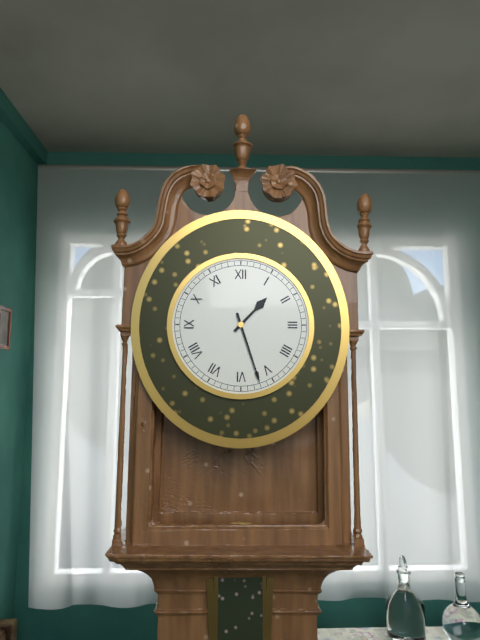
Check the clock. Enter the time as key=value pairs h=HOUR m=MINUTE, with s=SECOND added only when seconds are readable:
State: h=1 m=27
